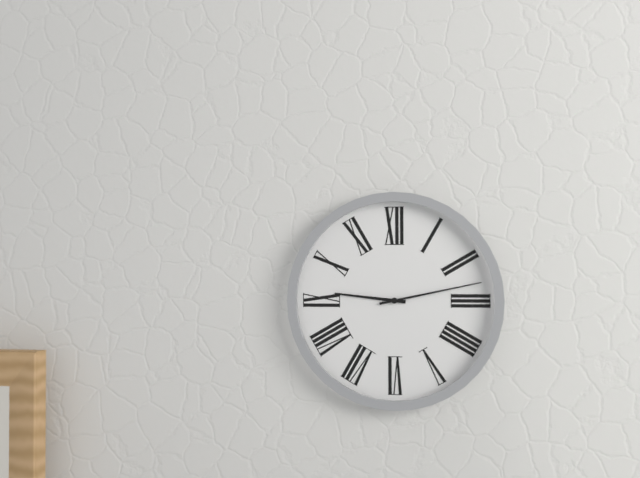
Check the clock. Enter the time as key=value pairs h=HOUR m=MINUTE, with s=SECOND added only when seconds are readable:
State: h=9 m=13
